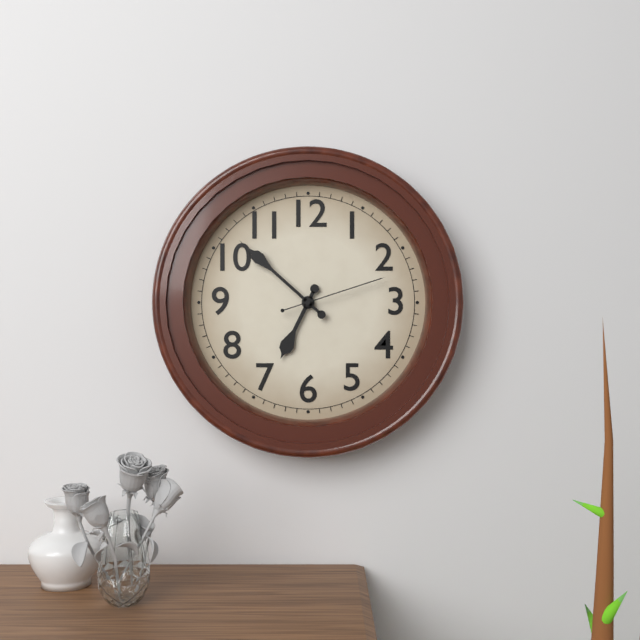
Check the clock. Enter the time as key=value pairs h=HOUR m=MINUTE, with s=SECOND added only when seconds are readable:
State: h=6 m=52 s=12
